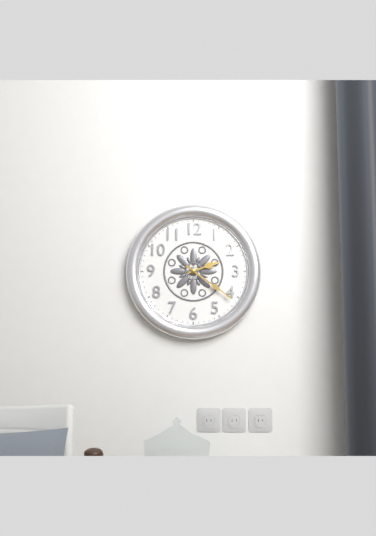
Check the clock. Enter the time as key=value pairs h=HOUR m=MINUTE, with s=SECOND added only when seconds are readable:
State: h=2 m=21
